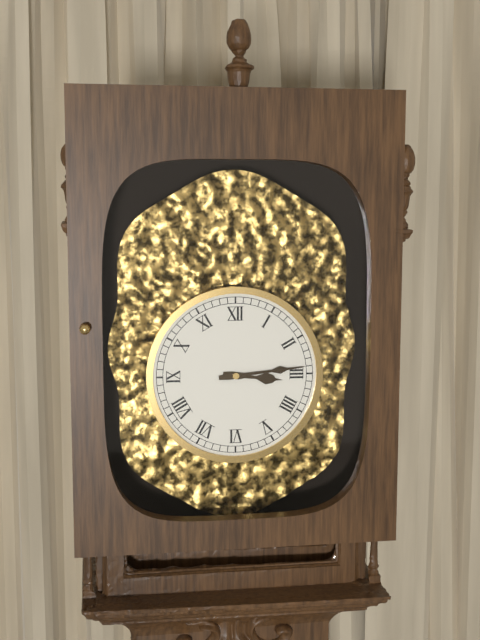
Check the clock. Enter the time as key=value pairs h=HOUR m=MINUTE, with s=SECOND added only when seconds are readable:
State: h=3 m=14
